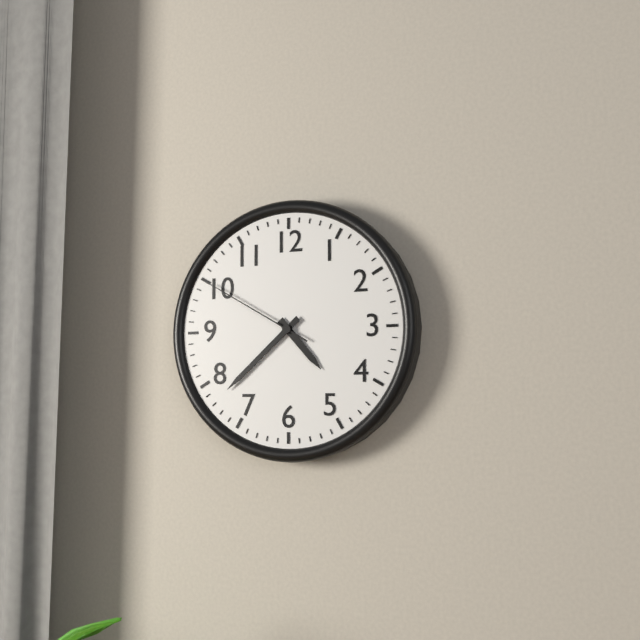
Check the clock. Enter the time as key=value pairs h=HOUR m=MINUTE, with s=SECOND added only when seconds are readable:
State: h=4 m=38 s=50
